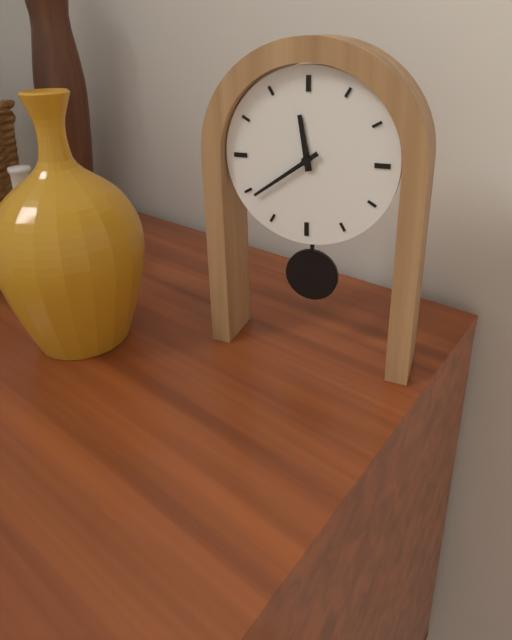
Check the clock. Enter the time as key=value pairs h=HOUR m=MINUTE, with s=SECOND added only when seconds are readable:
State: h=11 m=39
